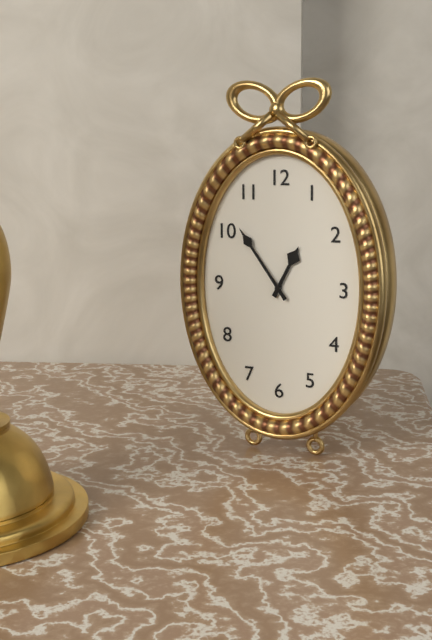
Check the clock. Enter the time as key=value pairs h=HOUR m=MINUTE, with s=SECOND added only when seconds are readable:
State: h=12 m=54
